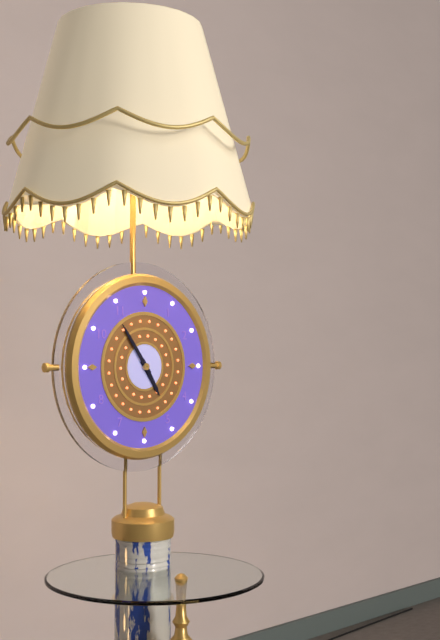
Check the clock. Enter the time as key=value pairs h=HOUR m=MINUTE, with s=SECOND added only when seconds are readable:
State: h=4 m=54
